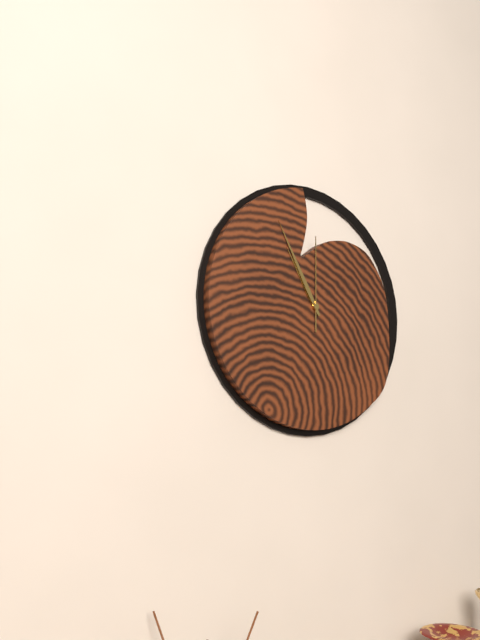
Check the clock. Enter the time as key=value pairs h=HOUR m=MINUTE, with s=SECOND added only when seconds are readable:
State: h=10 m=55 s=0
